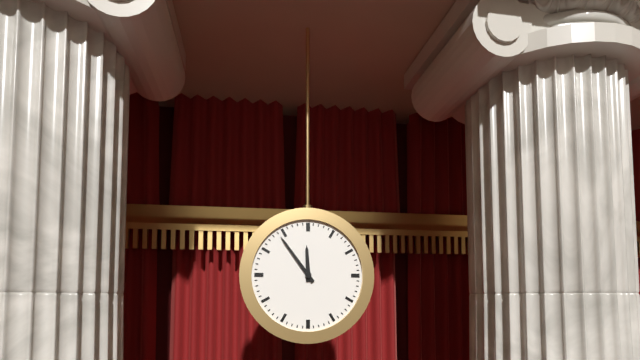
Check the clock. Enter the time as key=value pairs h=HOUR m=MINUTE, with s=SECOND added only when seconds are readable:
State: h=11 m=54
